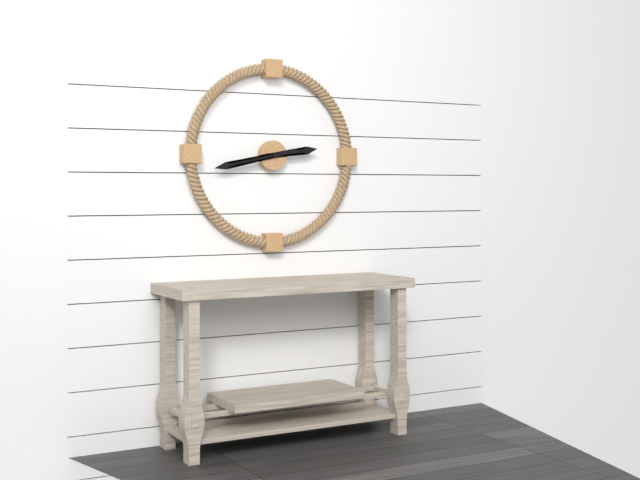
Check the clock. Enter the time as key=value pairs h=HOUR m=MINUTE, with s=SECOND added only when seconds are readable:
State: h=2 m=43
